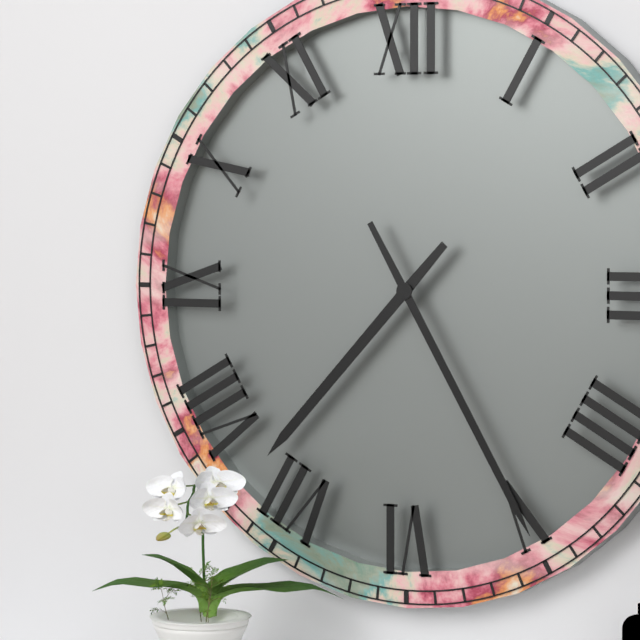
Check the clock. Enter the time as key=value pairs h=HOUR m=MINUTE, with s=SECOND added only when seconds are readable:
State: h=7 m=25
